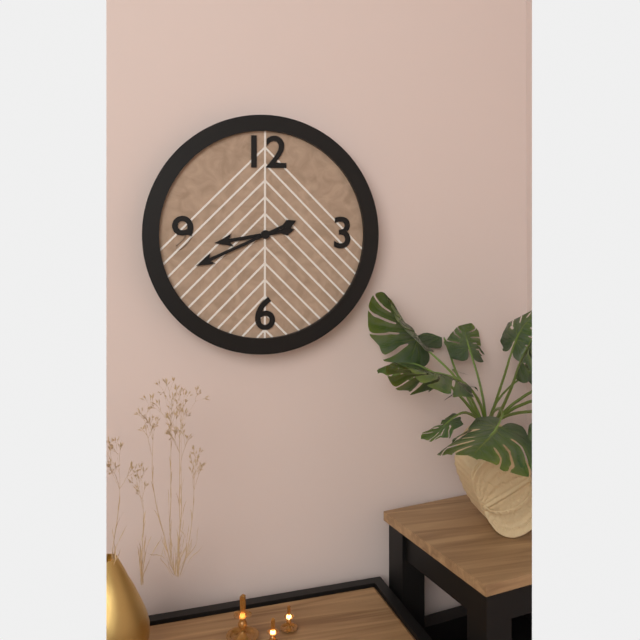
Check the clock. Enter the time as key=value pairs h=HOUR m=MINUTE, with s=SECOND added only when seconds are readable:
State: h=8 m=41
